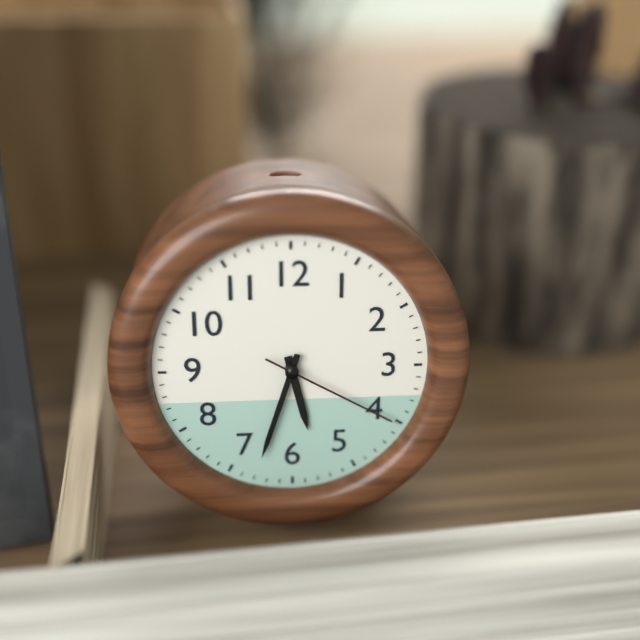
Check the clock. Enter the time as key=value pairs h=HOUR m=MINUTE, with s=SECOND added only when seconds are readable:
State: h=5 m=33 s=20
